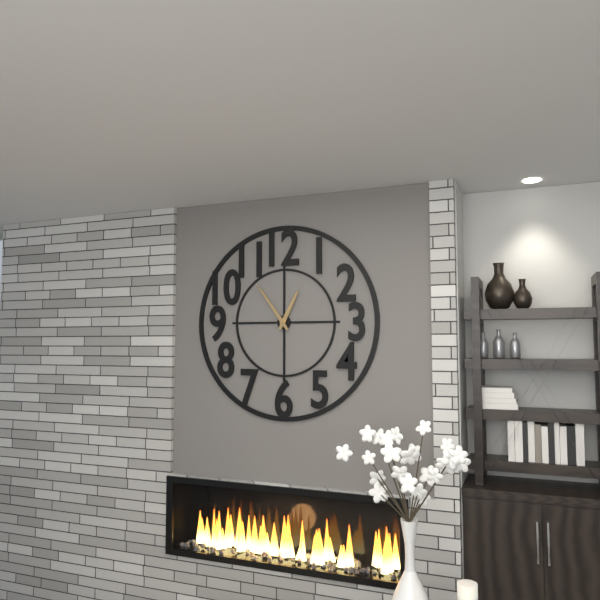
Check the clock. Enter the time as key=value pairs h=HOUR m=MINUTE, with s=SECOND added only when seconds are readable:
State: h=12 m=54
